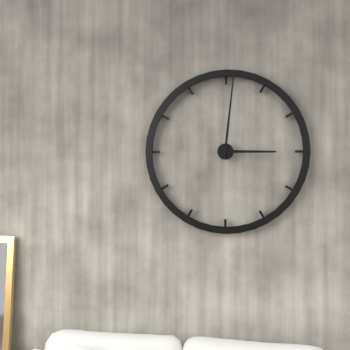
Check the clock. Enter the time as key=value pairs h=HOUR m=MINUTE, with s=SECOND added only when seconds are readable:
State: h=3 m=1
